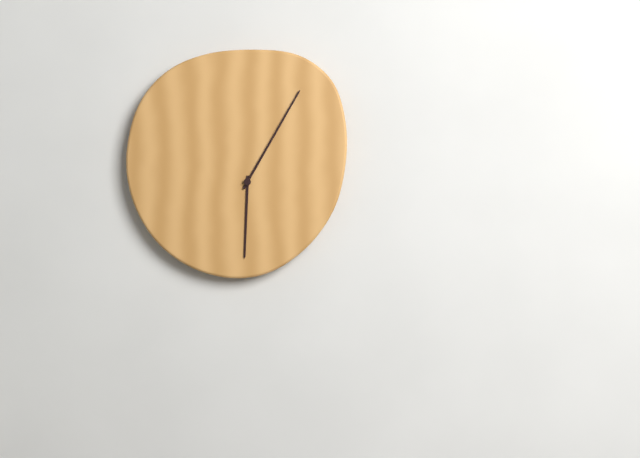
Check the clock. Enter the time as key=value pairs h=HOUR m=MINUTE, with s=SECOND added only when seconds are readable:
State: h=6 m=5
